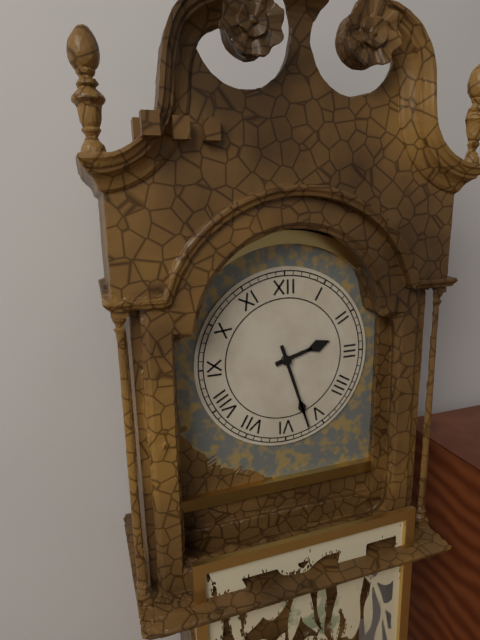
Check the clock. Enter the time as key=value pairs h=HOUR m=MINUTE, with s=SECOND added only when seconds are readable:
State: h=2 m=27
